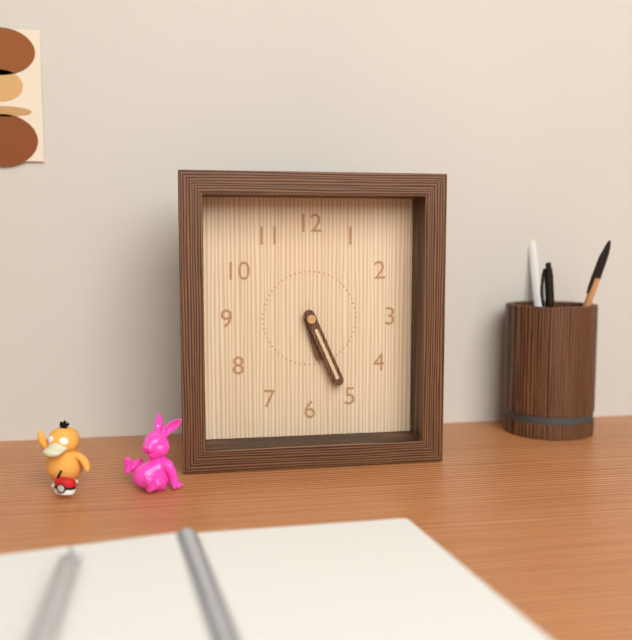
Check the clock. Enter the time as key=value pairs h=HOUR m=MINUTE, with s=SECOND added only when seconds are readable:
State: h=5 m=26
